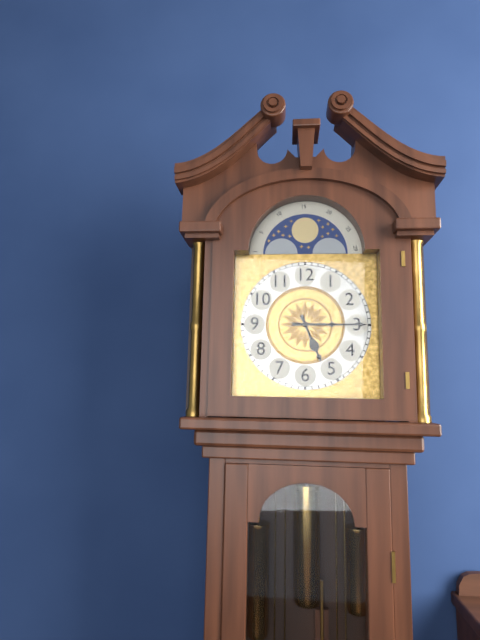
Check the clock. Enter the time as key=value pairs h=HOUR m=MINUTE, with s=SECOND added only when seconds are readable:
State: h=5 m=15
